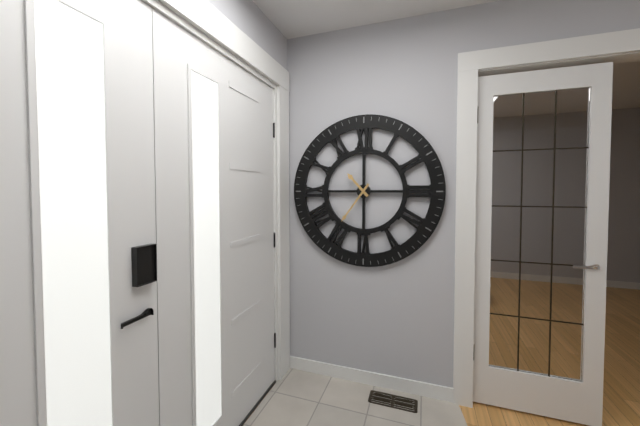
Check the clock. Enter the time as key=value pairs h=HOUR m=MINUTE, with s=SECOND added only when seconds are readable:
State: h=10 m=36
